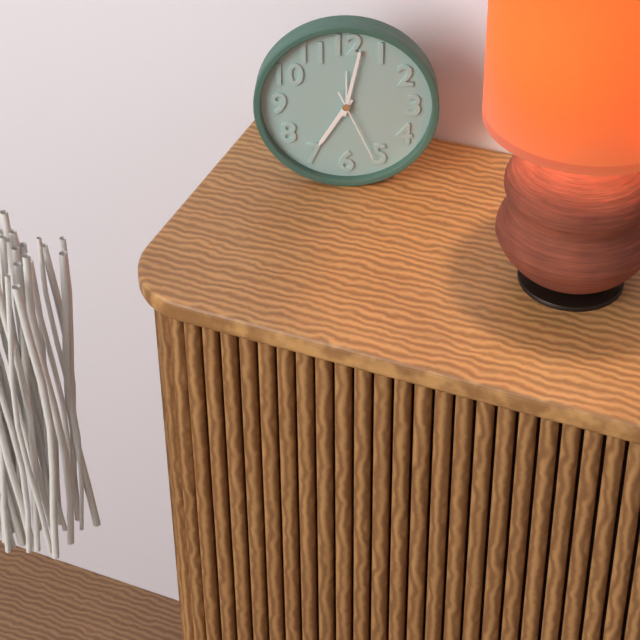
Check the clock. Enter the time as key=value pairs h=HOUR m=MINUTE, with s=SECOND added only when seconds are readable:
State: h=7 m=2 s=26
